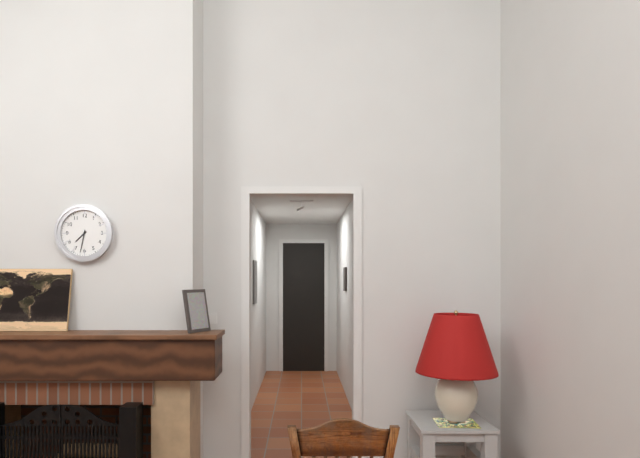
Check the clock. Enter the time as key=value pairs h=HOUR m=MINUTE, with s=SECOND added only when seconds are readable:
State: h=7 m=32
